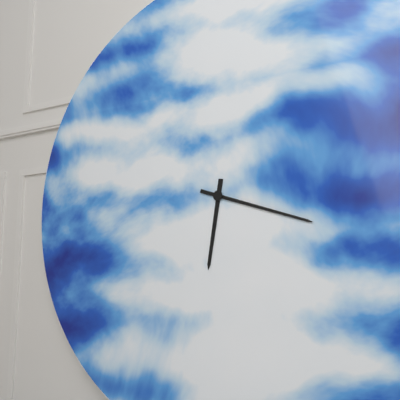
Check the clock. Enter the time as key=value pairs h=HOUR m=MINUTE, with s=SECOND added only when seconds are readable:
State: h=6 m=18
